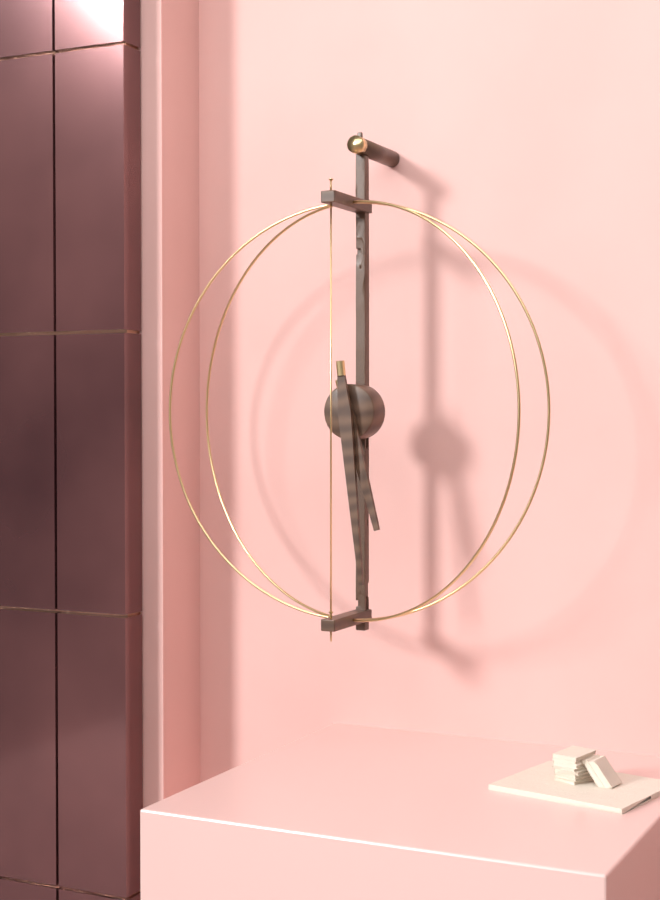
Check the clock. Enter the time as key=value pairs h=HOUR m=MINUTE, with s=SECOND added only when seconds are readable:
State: h=5 m=29
